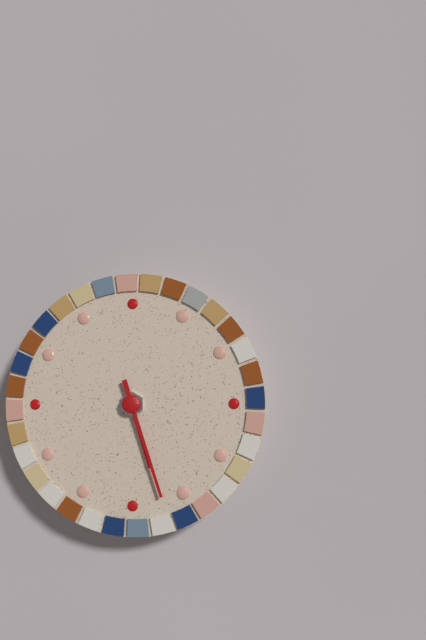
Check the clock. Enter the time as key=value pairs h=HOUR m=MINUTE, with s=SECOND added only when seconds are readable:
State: h=5 m=27
